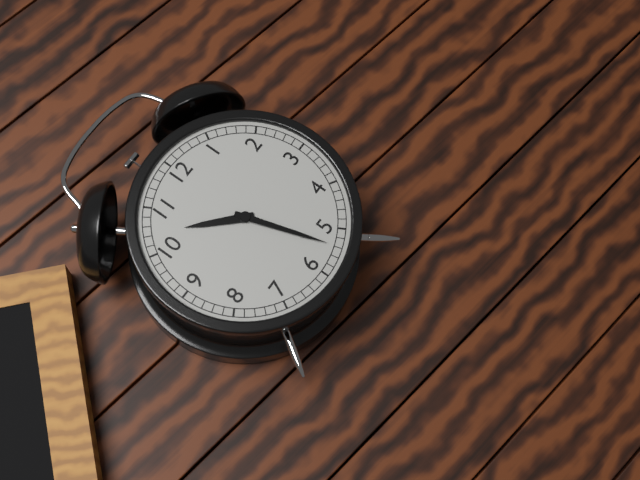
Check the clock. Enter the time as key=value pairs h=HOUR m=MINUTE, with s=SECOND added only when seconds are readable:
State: h=10 m=27
